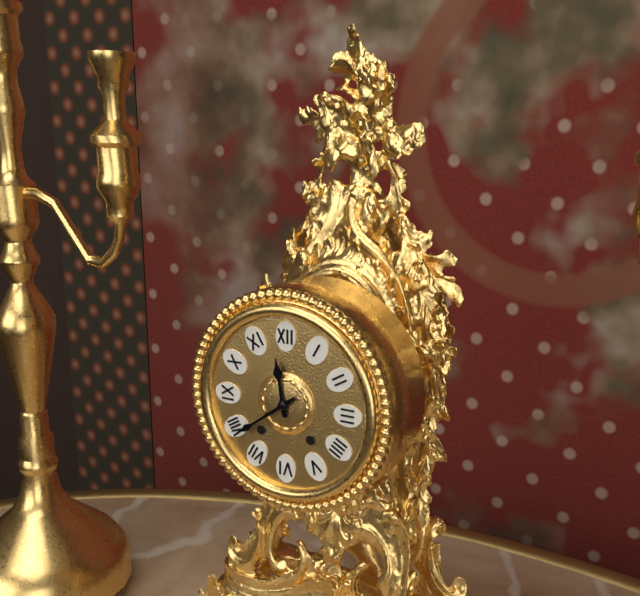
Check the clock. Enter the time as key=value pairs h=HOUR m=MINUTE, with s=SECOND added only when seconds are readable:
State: h=11 m=39
